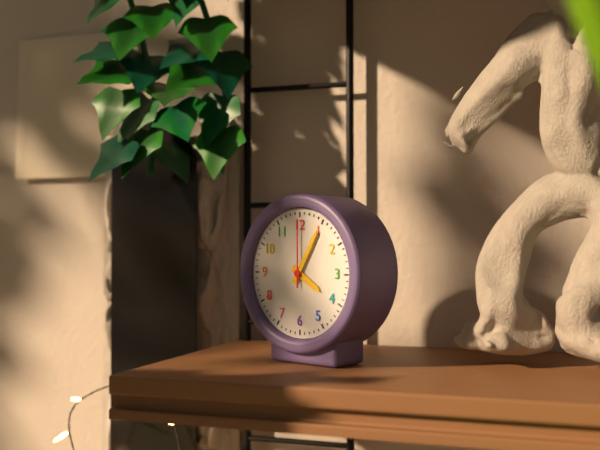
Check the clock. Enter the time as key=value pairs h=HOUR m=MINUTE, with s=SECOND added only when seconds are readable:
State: h=4 m=5 s=0
